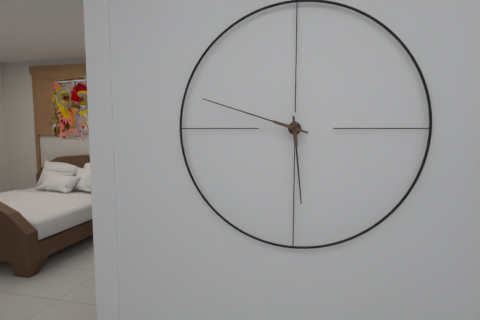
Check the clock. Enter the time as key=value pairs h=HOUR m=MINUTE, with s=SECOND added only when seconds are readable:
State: h=5 m=48
